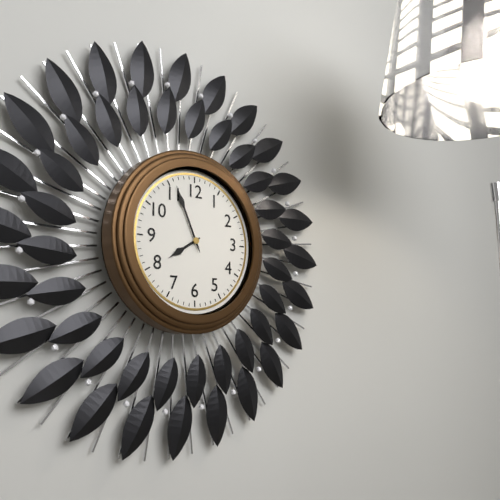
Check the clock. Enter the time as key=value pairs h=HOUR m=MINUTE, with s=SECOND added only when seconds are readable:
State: h=7 m=56
